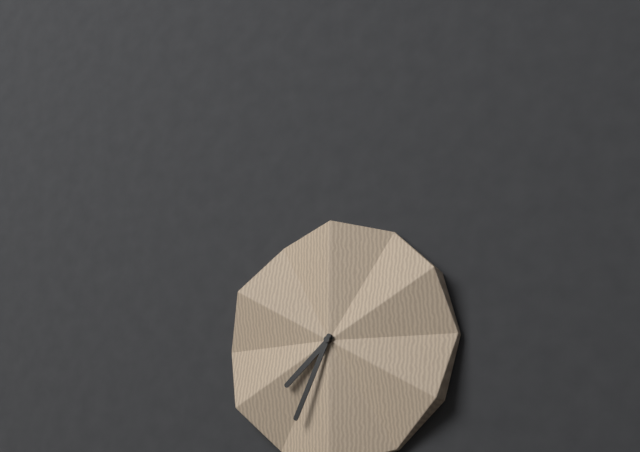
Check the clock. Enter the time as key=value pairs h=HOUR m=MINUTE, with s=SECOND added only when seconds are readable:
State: h=7 m=34
